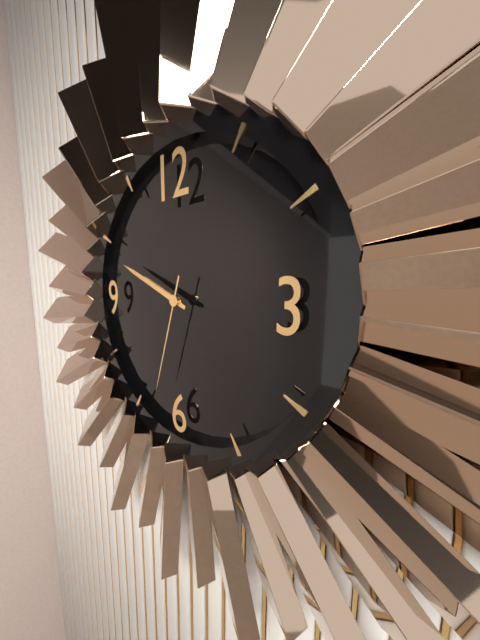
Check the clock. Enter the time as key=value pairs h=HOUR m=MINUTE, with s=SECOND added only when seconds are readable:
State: h=9 m=49 s=33
